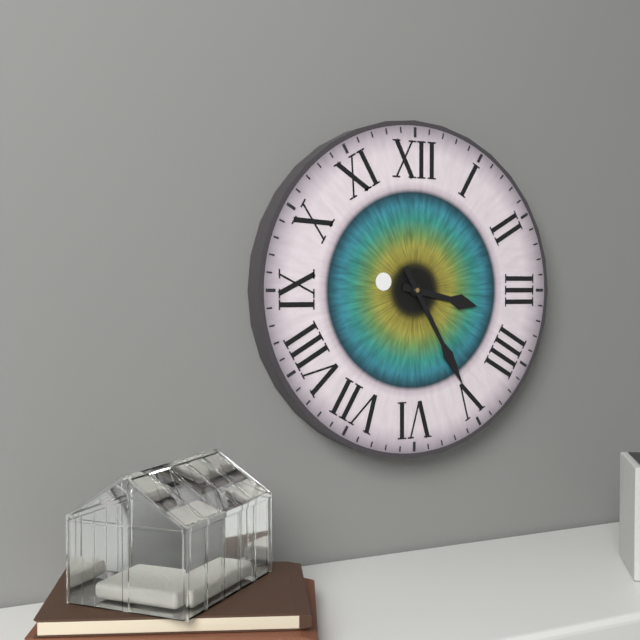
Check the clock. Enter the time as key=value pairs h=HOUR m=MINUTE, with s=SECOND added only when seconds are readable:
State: h=3 m=25
